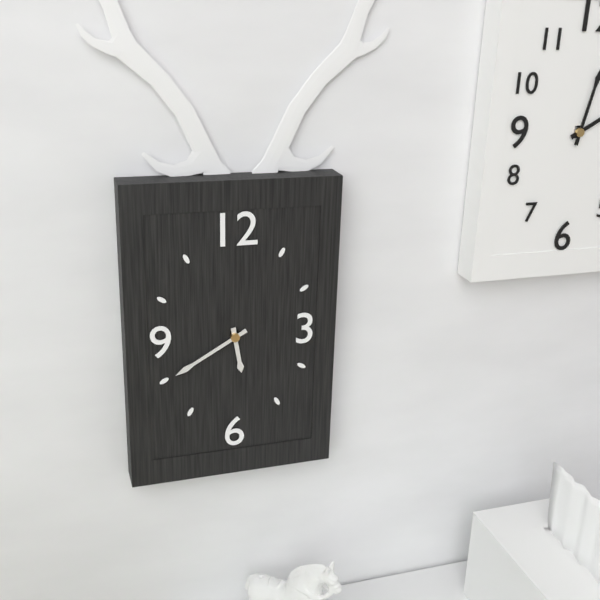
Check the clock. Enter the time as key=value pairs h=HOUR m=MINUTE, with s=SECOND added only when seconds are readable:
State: h=5 m=40
